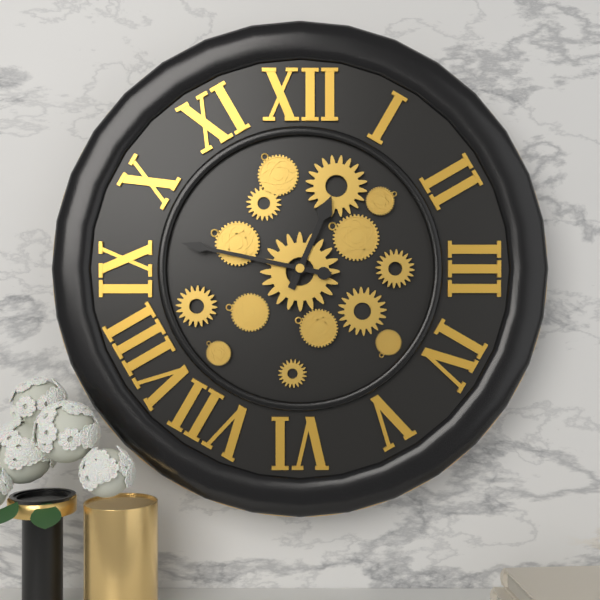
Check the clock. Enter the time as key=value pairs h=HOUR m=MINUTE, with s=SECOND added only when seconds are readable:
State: h=12 m=47
